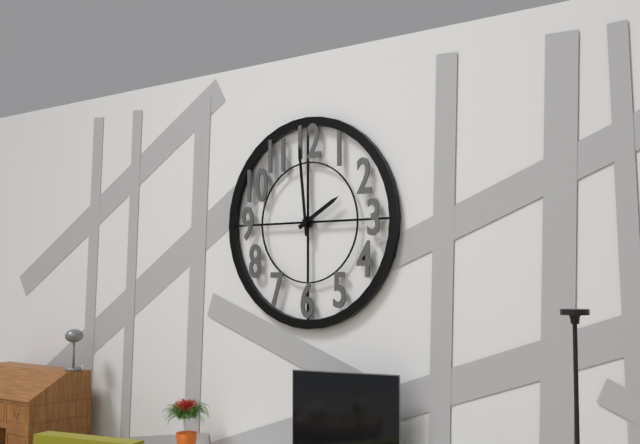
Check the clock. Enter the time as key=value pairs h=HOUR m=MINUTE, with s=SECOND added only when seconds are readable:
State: h=1 m=59
